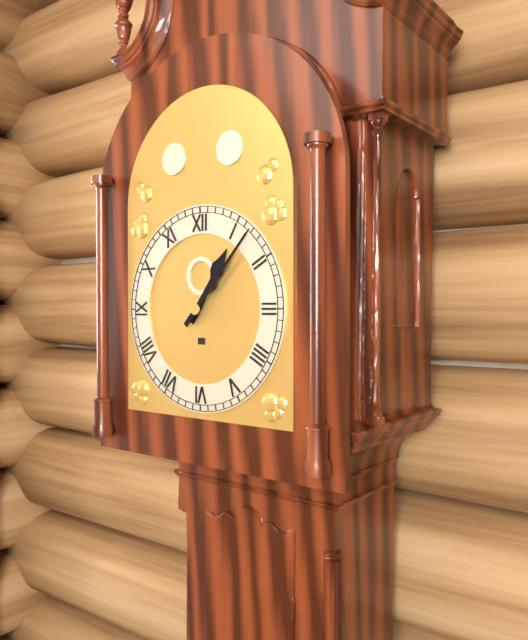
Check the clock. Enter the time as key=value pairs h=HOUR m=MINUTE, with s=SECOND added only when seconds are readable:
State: h=1 m=7
